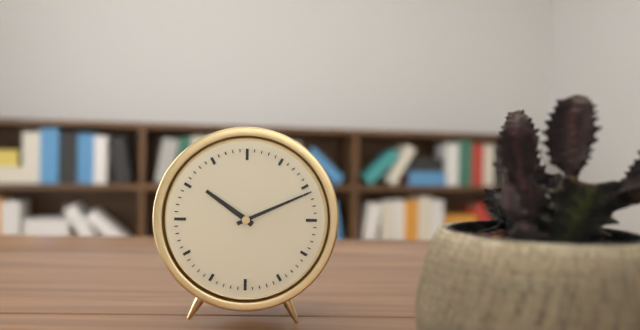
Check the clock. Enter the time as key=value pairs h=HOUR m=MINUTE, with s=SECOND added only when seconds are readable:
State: h=10 m=11
